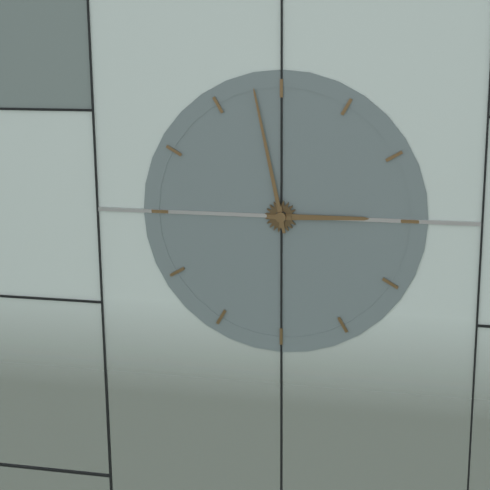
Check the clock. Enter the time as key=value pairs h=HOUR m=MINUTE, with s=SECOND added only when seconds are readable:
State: h=2 m=58
